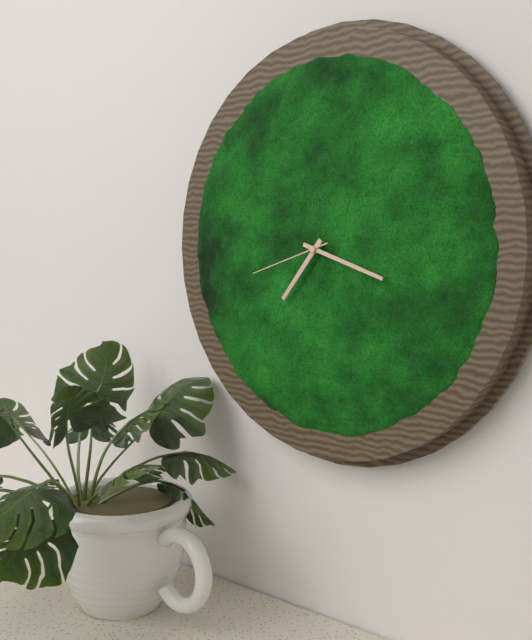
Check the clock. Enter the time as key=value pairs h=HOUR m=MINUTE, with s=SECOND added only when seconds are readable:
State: h=7 m=18 s=42
